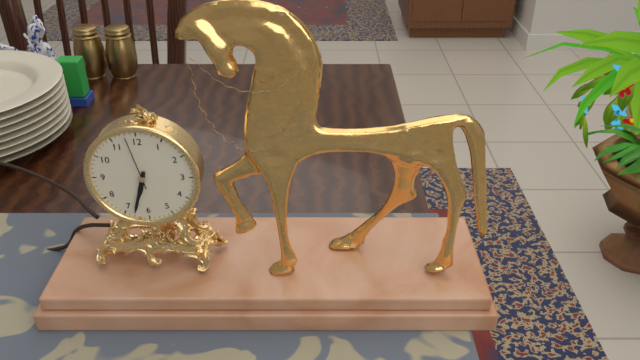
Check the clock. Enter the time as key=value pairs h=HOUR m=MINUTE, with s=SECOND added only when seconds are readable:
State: h=6 m=33 s=58
